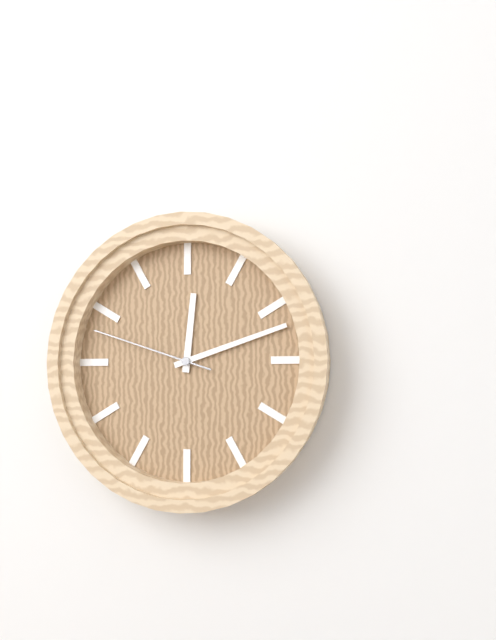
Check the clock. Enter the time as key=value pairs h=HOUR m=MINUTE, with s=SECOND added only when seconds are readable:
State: h=12 m=12 s=48
